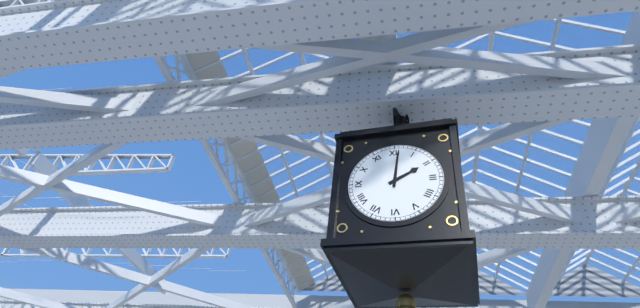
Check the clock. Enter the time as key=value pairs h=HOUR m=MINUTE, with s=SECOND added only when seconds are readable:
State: h=2 m=1
